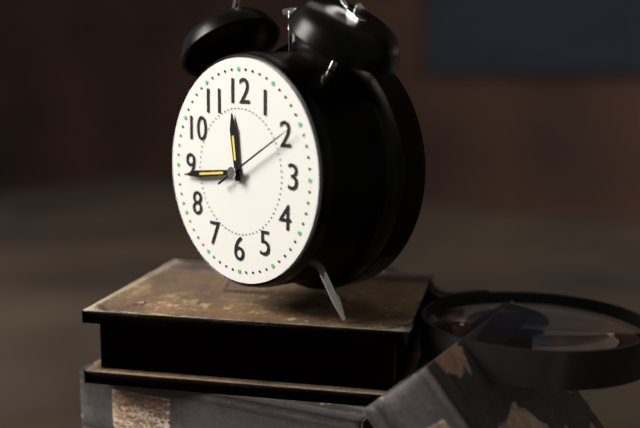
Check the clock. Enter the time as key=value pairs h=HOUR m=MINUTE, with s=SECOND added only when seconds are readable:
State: h=11 m=44 s=10
